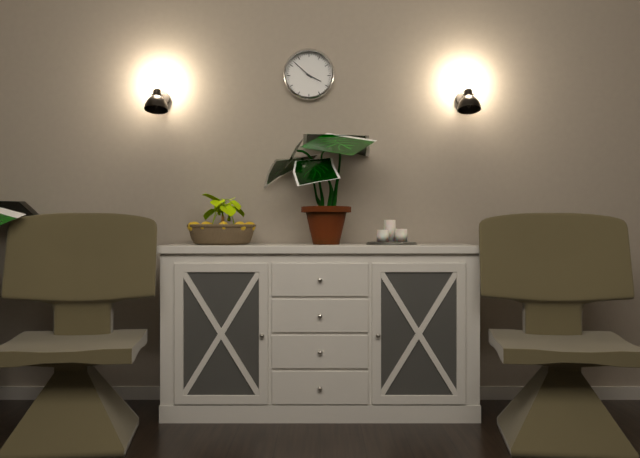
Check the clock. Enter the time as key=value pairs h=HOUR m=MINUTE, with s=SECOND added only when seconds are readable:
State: h=3 m=52
